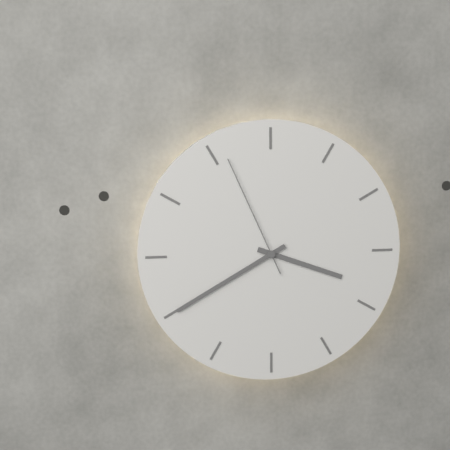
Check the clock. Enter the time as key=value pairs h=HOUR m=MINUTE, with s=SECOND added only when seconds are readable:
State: h=3 m=40 s=56
